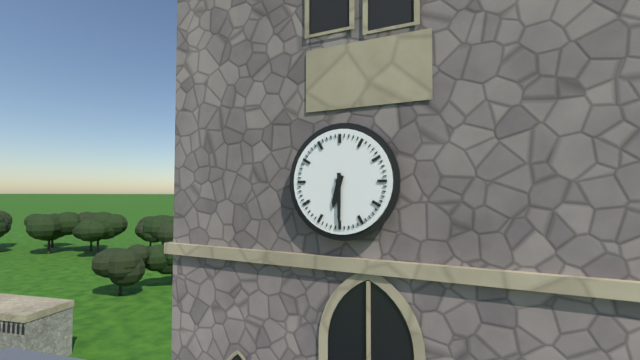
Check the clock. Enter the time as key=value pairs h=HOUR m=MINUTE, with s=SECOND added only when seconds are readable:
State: h=6 m=30
